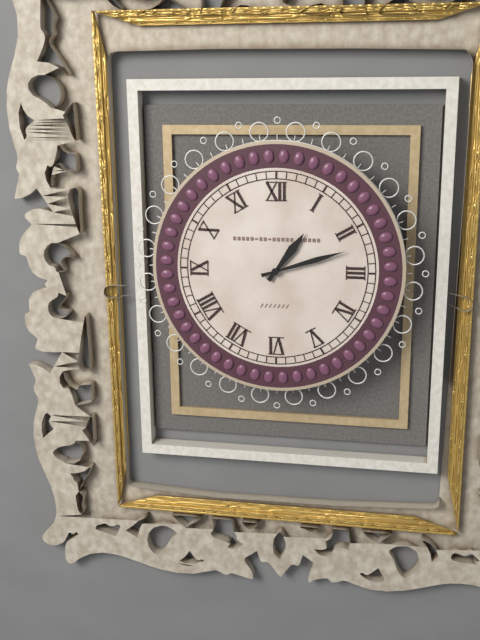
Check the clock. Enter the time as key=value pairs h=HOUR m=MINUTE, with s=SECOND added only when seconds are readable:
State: h=1 m=12
